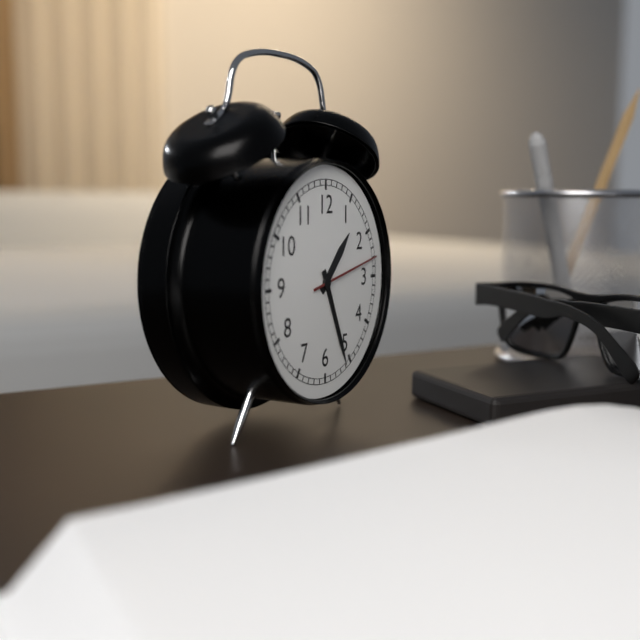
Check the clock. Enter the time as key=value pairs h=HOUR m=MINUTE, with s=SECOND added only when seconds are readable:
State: h=1 m=26 s=13
